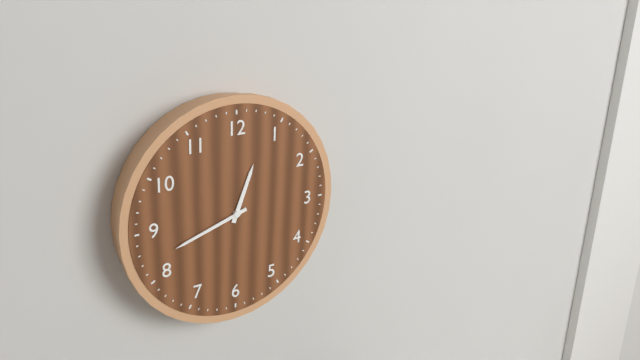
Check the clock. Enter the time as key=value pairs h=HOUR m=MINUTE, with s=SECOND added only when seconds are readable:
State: h=12 m=42
